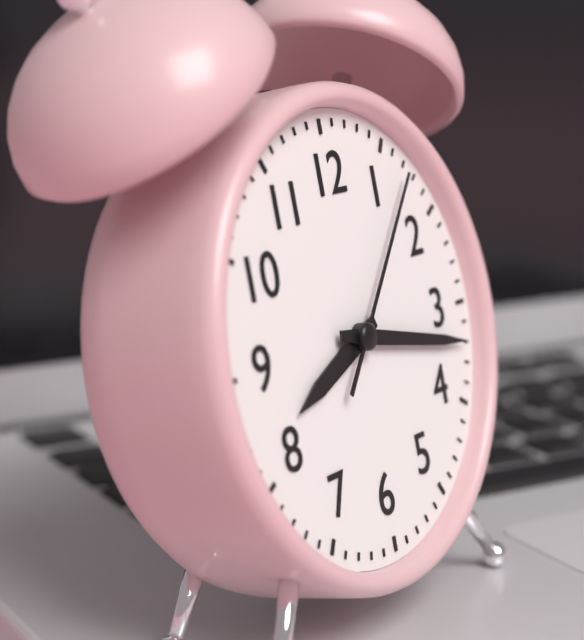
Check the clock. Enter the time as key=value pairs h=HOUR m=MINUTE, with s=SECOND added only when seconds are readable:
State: h=8 m=17 s=7
